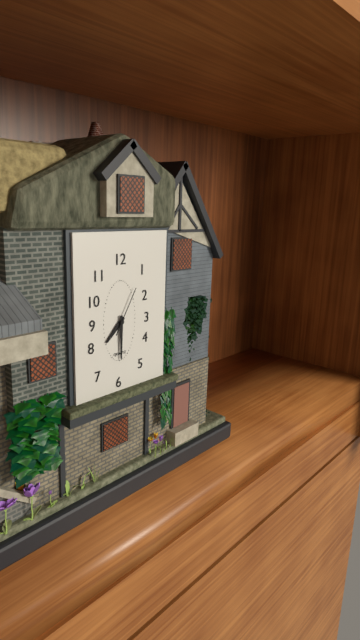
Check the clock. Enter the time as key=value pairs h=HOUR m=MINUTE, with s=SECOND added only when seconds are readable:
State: h=7 m=30
